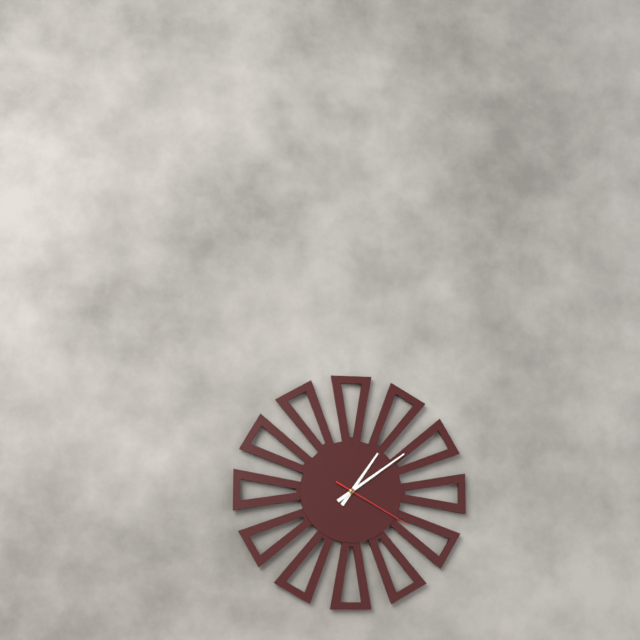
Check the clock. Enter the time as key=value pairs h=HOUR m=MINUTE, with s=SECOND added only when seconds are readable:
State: h=1 m=9 s=20
